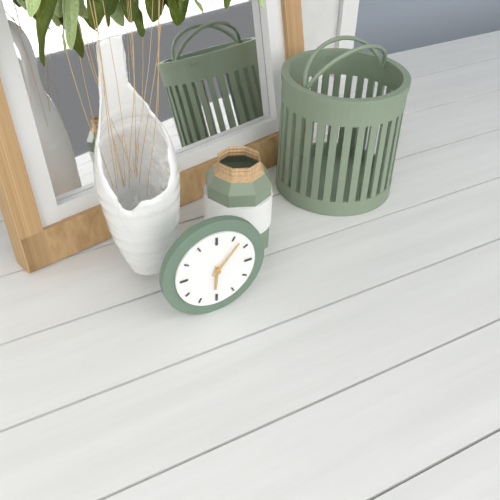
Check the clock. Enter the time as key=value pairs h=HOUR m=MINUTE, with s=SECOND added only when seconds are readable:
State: h=6 m=7
